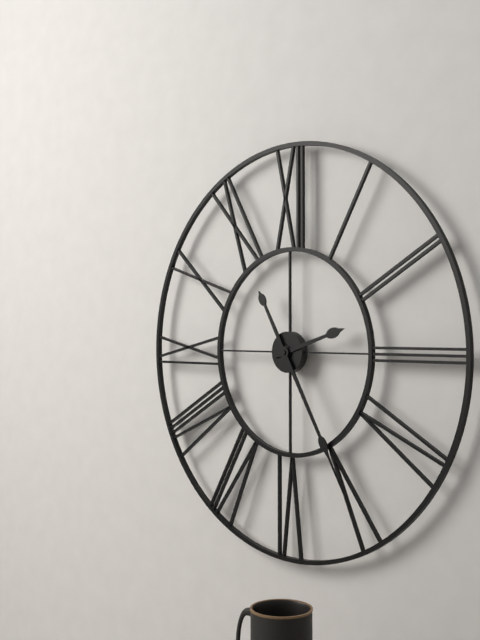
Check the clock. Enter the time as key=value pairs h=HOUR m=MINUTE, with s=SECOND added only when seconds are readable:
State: h=2 m=25
